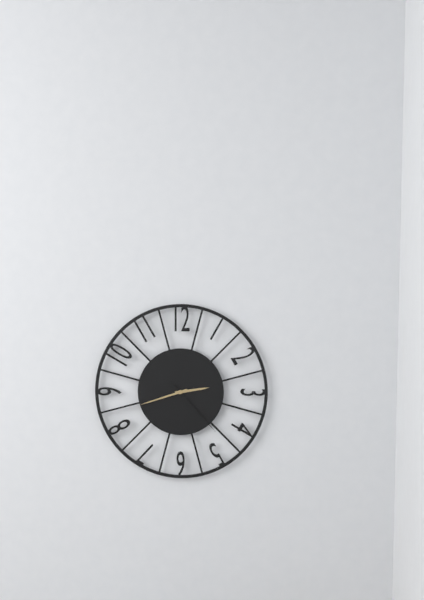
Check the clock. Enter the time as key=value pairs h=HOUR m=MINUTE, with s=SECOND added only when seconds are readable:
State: h=2 m=42 s=23
